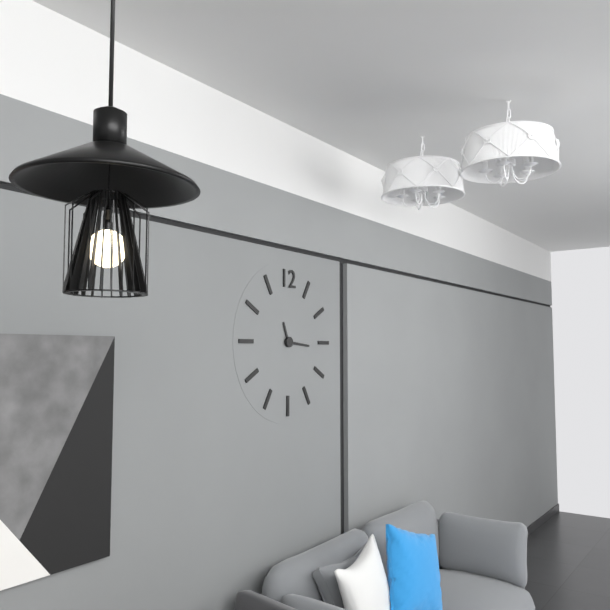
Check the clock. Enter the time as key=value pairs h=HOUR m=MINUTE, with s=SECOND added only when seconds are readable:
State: h=11 m=16
